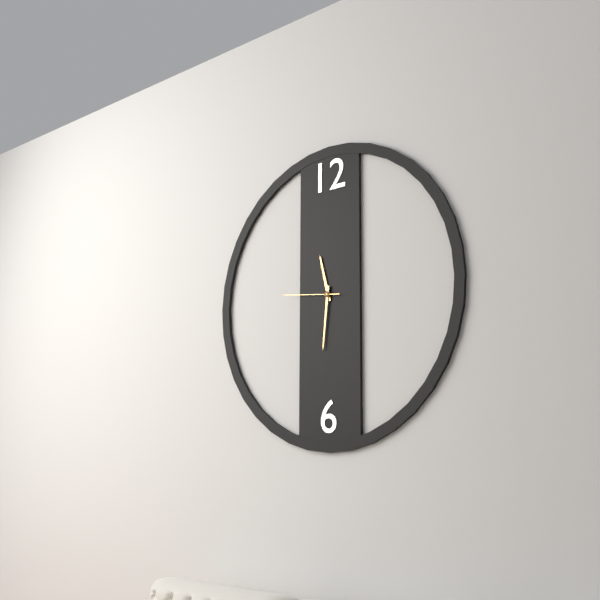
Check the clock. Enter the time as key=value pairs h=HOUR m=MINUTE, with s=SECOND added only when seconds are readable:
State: h=11 m=31 s=46
